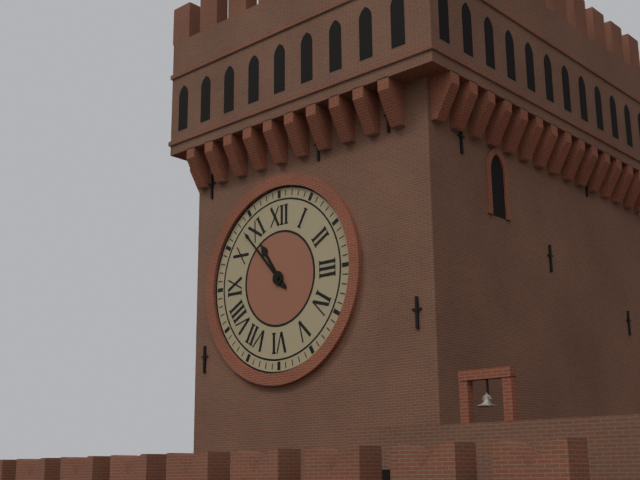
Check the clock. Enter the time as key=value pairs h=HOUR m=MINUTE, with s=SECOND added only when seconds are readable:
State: h=10 m=53
